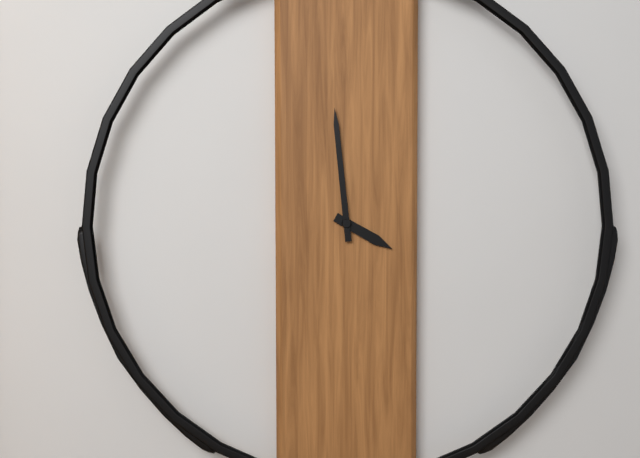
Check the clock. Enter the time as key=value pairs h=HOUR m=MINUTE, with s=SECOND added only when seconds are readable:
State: h=3 m=59
